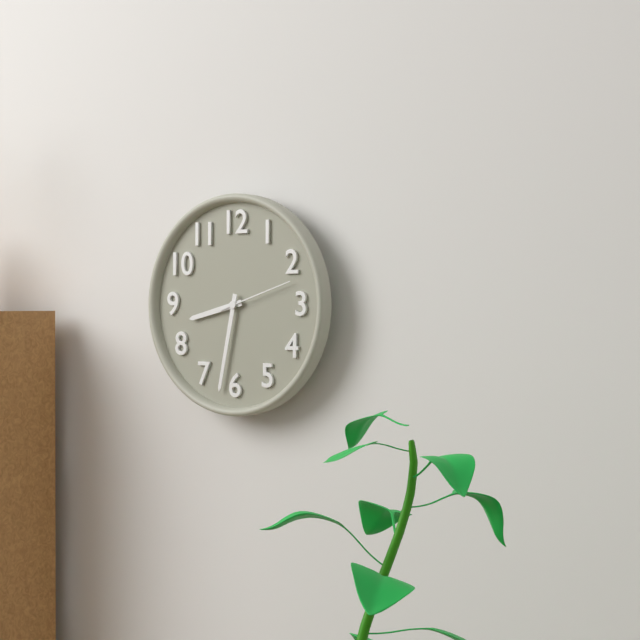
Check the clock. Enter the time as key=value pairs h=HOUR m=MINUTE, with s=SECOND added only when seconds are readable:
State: h=8 m=32 s=12
